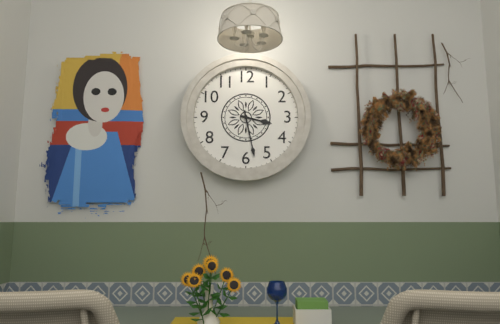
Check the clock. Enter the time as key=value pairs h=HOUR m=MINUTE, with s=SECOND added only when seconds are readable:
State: h=3 m=28
